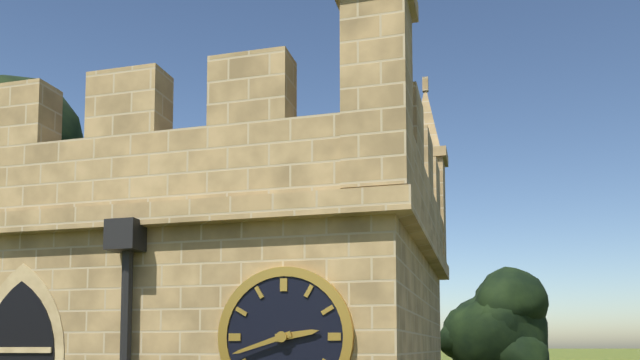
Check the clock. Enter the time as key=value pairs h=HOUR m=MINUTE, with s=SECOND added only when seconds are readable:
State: h=2 m=42
